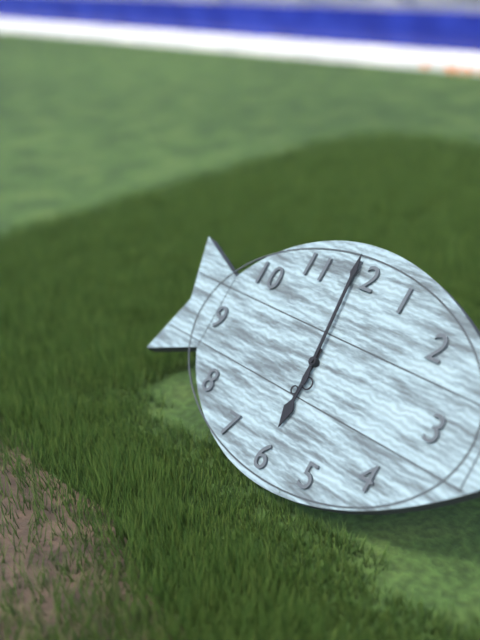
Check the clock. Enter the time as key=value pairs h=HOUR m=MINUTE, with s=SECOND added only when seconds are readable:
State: h=5 m=59
